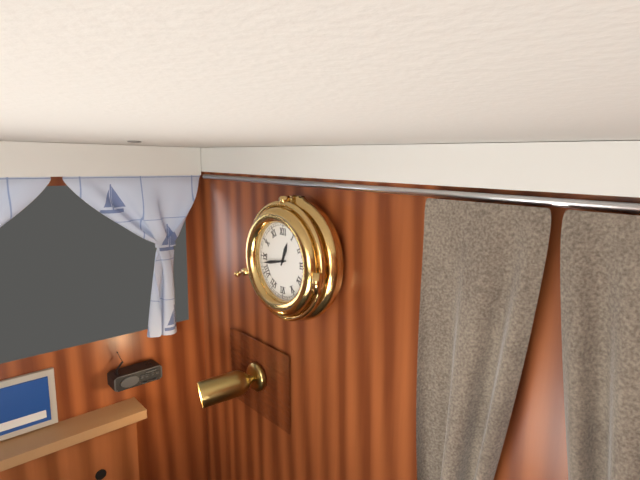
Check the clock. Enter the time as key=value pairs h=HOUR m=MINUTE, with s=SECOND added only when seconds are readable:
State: h=12 m=43
